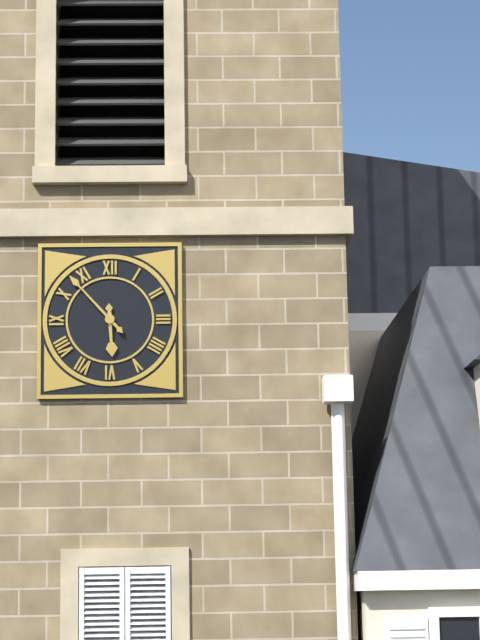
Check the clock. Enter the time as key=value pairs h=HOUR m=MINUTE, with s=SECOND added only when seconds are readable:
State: h=5 m=53
